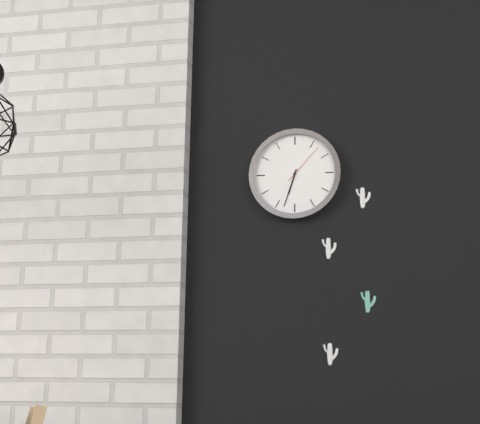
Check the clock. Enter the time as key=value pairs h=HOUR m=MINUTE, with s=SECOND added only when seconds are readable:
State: h=6 m=33
